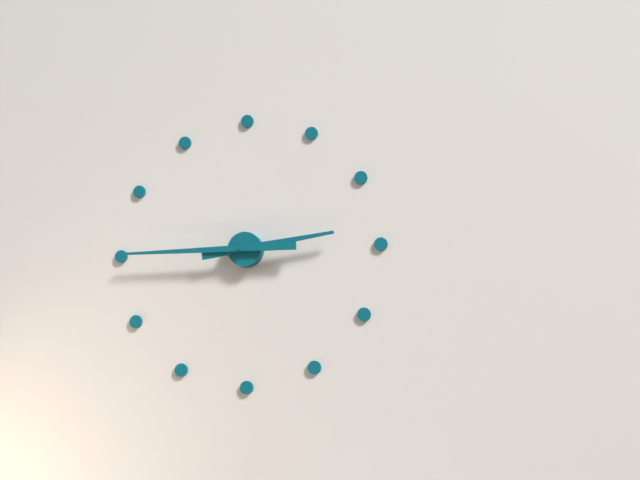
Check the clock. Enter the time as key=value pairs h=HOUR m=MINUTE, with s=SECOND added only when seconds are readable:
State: h=2 m=45
